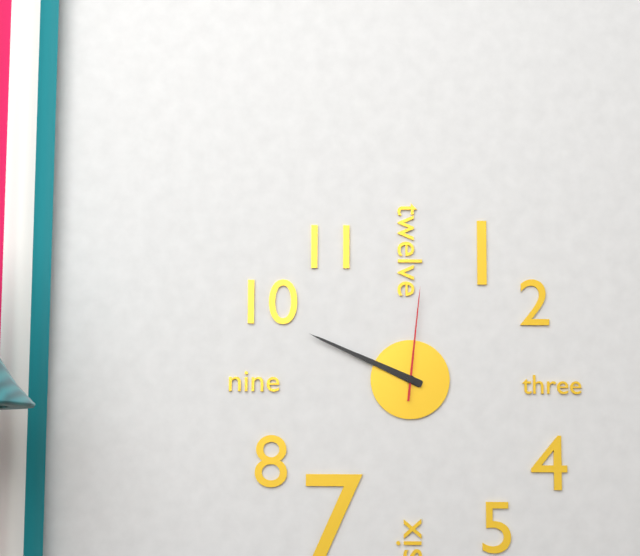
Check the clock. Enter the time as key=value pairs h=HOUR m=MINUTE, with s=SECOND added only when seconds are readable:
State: h=9 m=49 s=1
